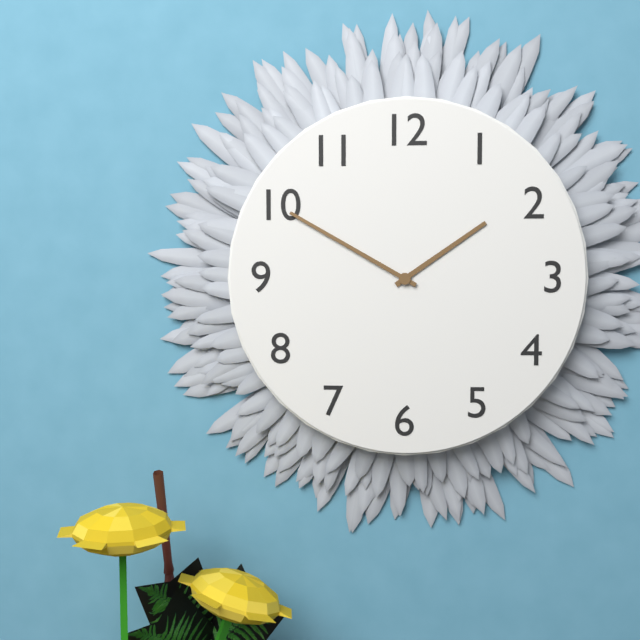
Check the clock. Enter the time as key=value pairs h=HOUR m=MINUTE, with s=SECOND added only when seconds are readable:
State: h=1 m=50
